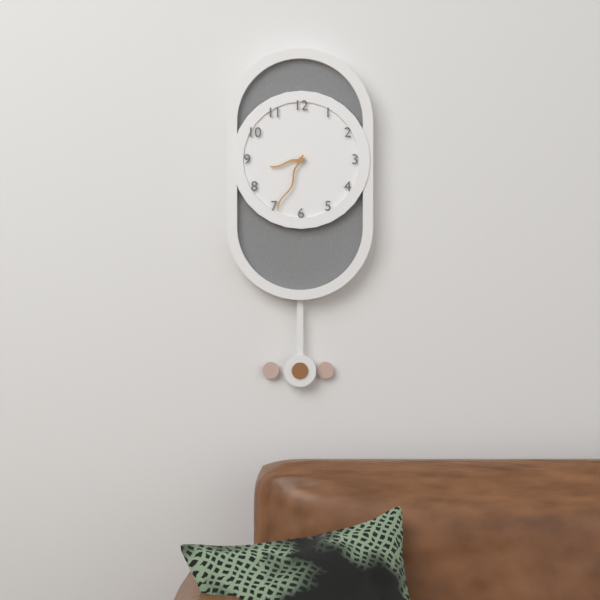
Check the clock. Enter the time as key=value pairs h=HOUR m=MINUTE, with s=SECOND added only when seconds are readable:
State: h=8 m=34
